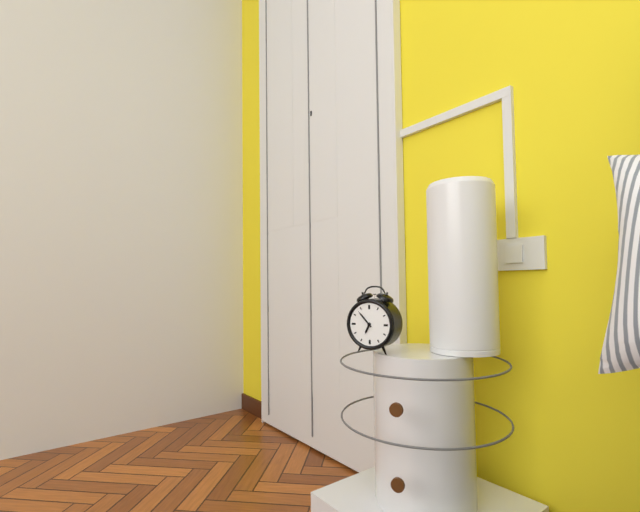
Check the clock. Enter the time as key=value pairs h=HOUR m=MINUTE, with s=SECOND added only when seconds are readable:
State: h=6 m=53
